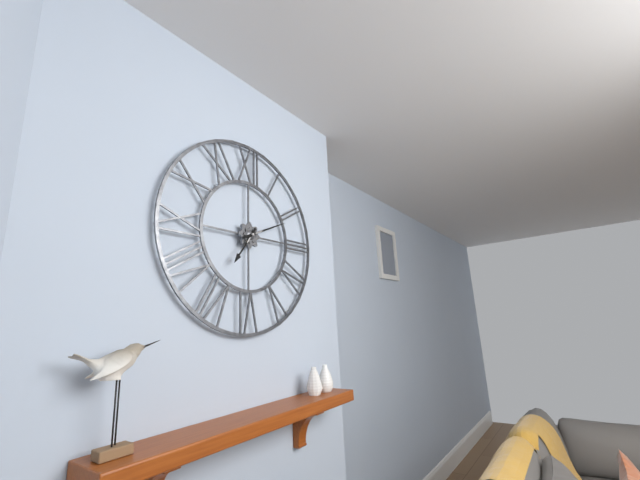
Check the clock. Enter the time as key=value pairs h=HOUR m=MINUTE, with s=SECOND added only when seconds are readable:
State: h=7 m=11
